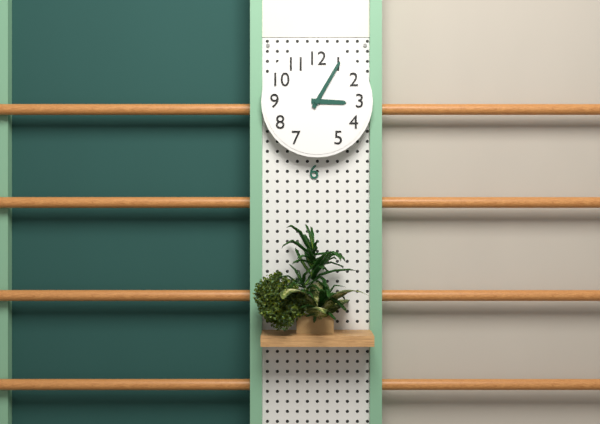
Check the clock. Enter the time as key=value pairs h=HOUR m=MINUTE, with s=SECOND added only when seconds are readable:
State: h=3 m=5
